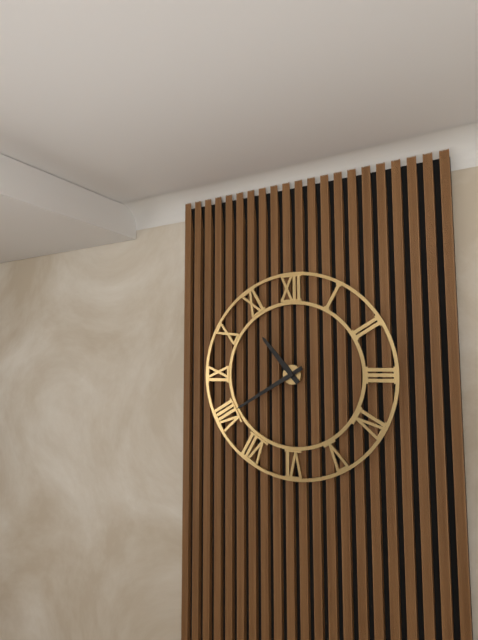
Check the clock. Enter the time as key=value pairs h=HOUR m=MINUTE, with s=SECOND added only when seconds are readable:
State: h=10 m=40
